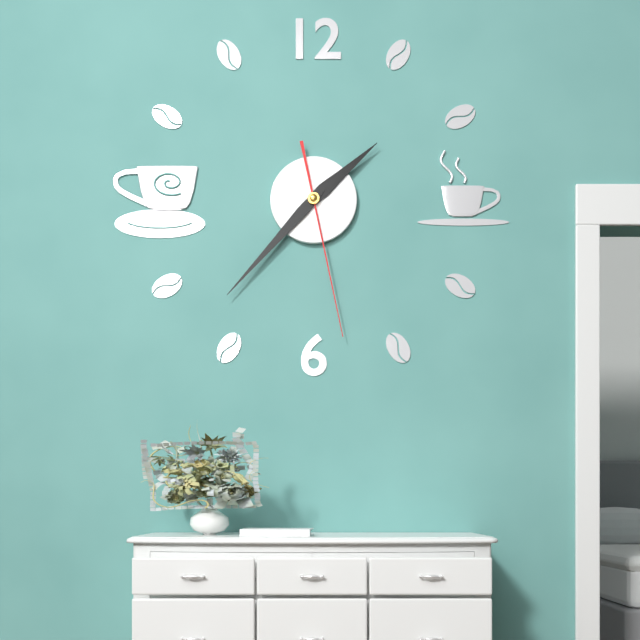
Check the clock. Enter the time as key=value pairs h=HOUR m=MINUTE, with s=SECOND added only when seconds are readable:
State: h=1 m=37 s=28
